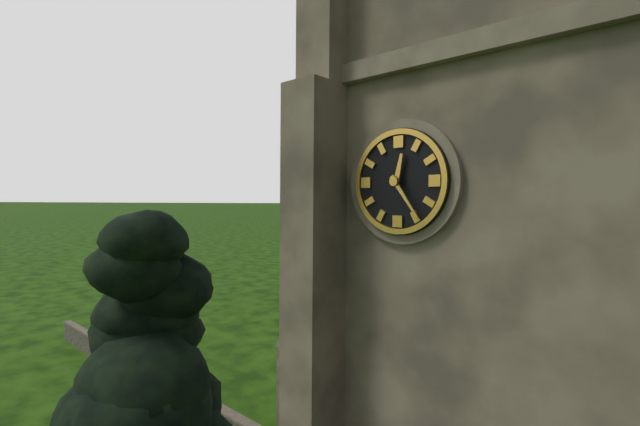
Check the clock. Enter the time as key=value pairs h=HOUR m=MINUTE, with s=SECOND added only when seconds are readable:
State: h=12 m=24
